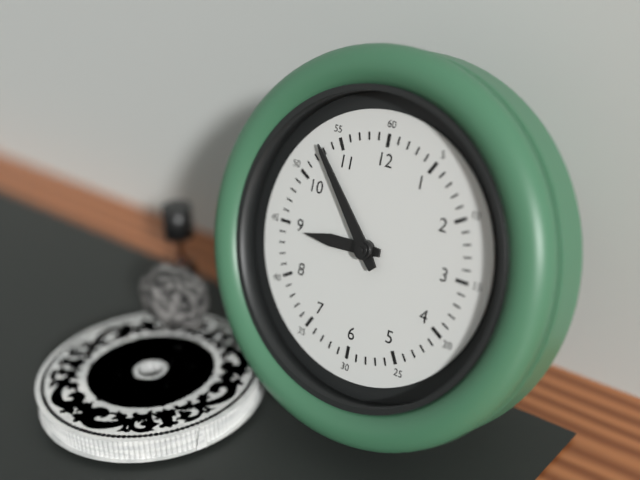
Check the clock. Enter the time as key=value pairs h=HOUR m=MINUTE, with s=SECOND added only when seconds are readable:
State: h=8 m=53
